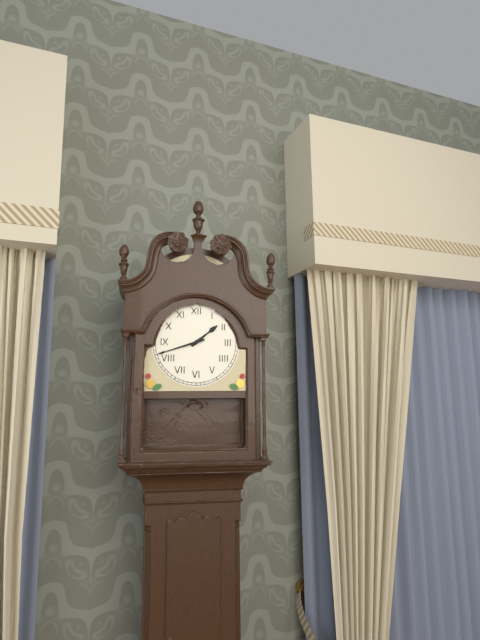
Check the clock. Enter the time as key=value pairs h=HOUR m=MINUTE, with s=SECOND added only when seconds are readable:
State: h=1 m=42
